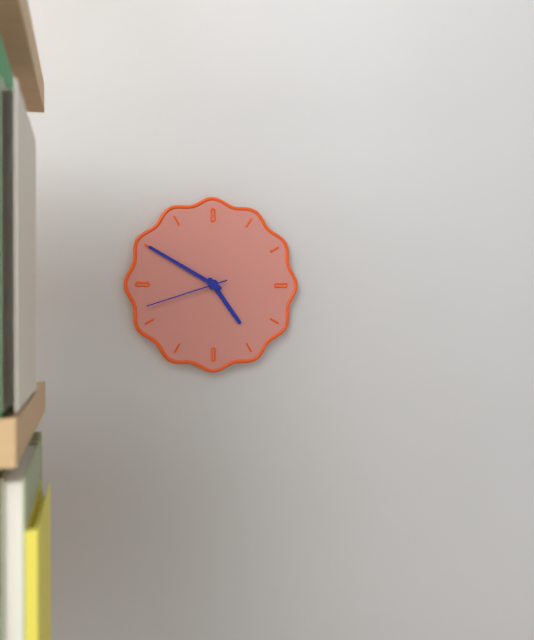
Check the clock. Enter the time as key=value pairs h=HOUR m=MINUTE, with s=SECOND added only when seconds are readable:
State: h=4 m=50 s=42
